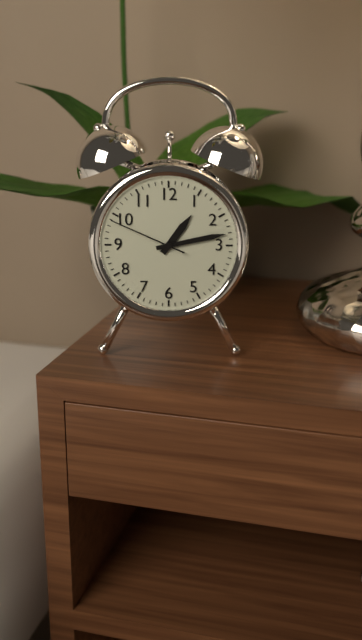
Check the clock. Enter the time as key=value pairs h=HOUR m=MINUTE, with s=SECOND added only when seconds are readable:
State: h=1 m=13 s=49
